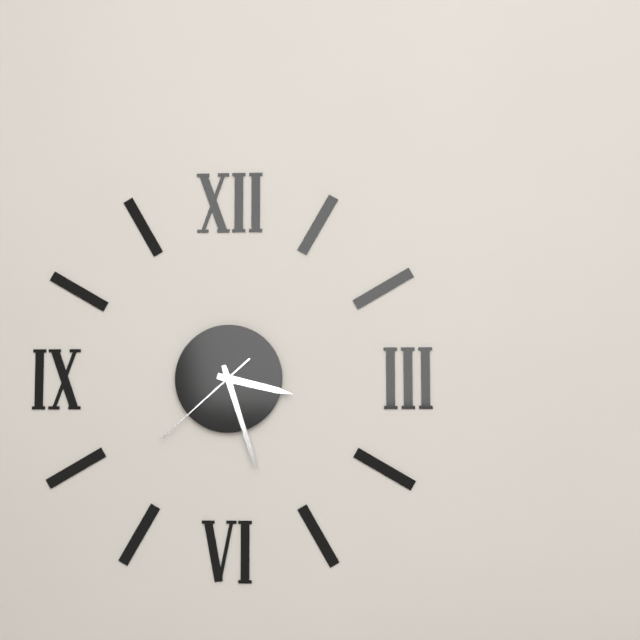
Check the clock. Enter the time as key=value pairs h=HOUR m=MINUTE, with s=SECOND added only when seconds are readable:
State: h=3 m=27 s=38
